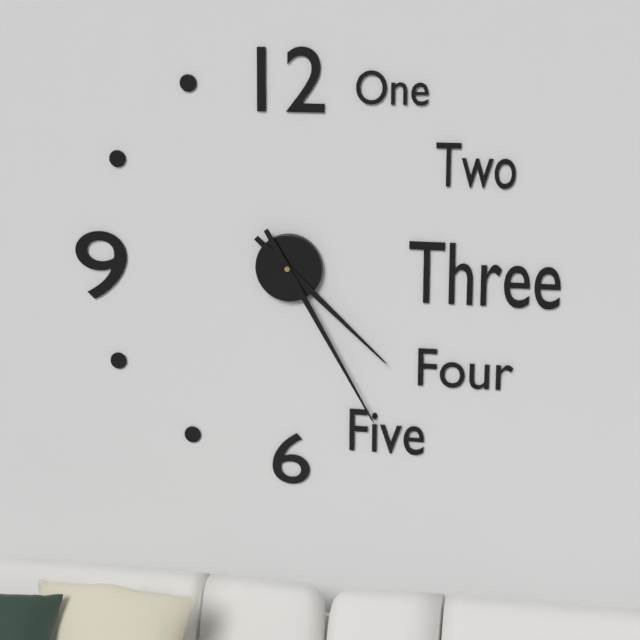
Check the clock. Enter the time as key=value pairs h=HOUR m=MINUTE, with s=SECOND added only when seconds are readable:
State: h=4 m=25
